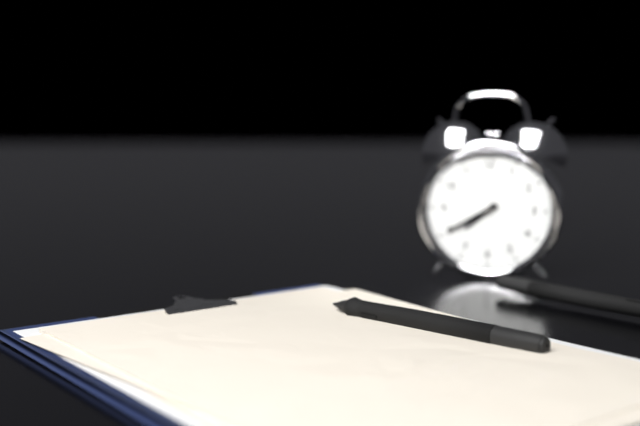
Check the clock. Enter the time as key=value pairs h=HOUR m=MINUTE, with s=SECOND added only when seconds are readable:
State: h=7 m=40
